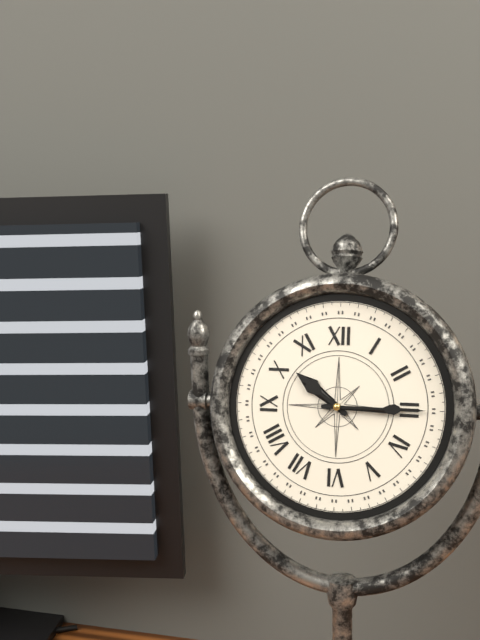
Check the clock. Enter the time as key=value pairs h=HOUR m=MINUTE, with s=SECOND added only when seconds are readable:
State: h=10 m=15
